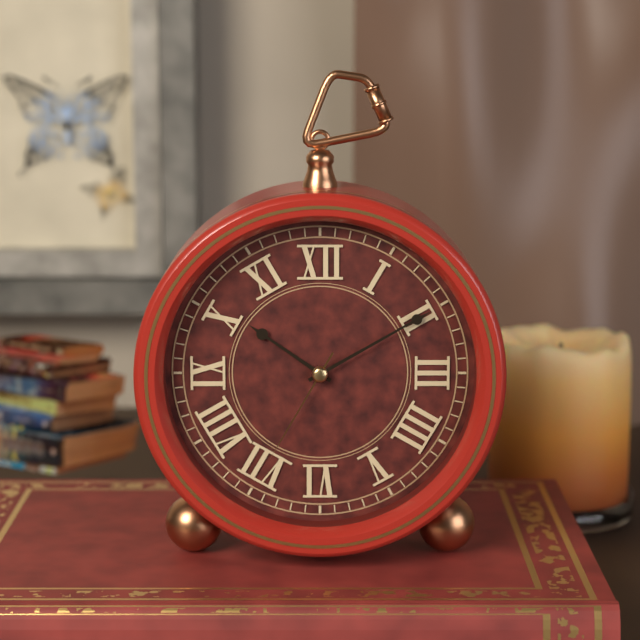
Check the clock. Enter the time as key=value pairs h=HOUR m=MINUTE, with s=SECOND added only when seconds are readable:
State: h=10 m=10 s=35
